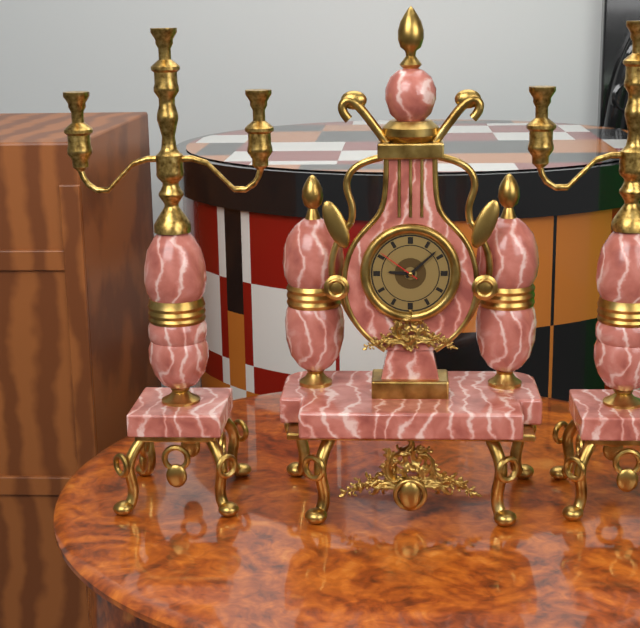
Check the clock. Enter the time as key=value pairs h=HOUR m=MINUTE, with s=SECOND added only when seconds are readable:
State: h=9 m=8
